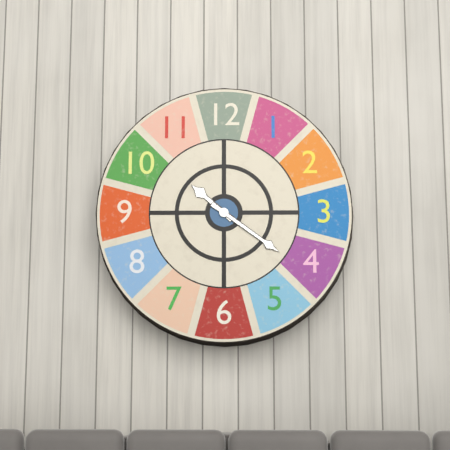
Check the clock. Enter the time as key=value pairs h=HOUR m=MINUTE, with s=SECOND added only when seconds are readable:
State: h=10 m=21
